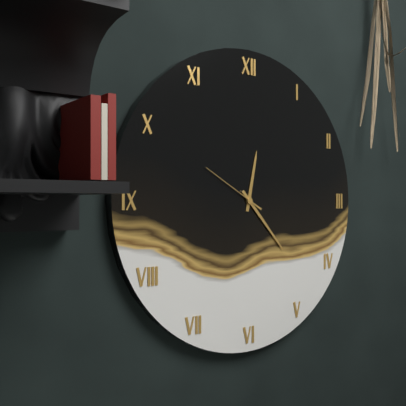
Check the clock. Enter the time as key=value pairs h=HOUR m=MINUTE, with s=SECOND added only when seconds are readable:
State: h=12 m=23 s=50
